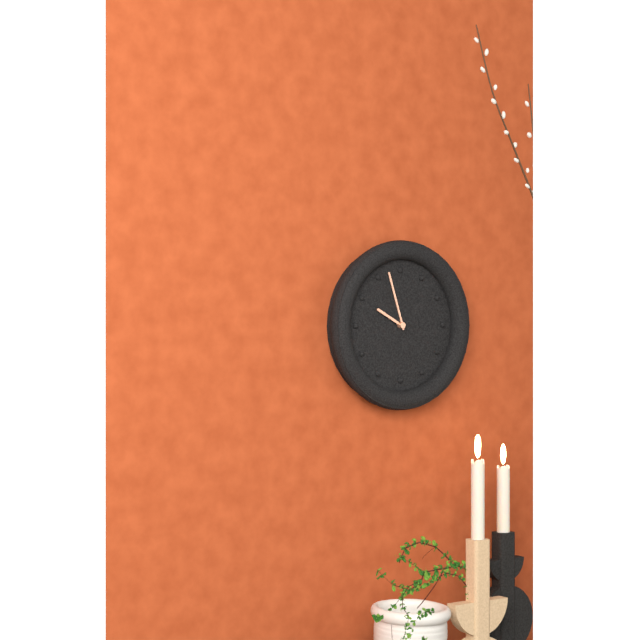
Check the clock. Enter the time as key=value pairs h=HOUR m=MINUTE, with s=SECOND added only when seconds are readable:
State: h=9 m=57
